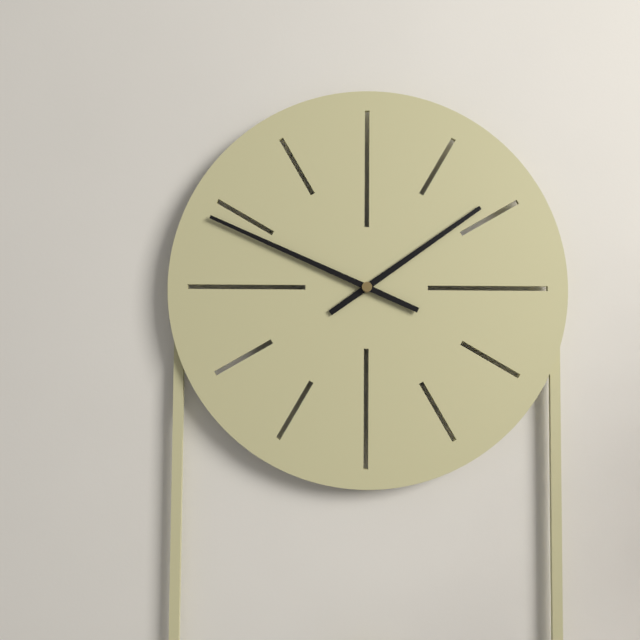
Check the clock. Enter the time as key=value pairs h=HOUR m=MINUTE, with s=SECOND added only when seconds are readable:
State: h=1 m=49
